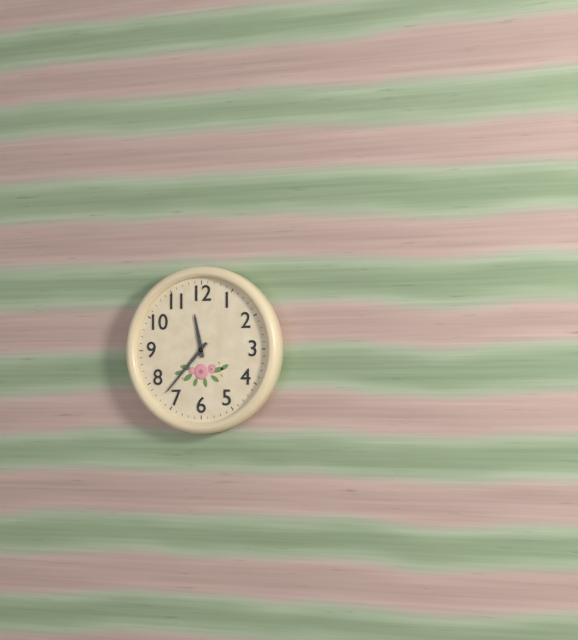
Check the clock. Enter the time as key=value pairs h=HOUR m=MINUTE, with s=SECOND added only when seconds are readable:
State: h=11 m=37
